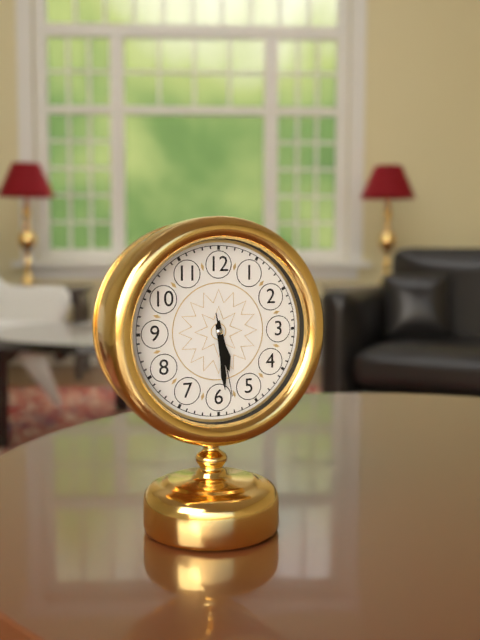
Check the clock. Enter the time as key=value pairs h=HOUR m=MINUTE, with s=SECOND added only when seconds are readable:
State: h=5 m=29 s=28
